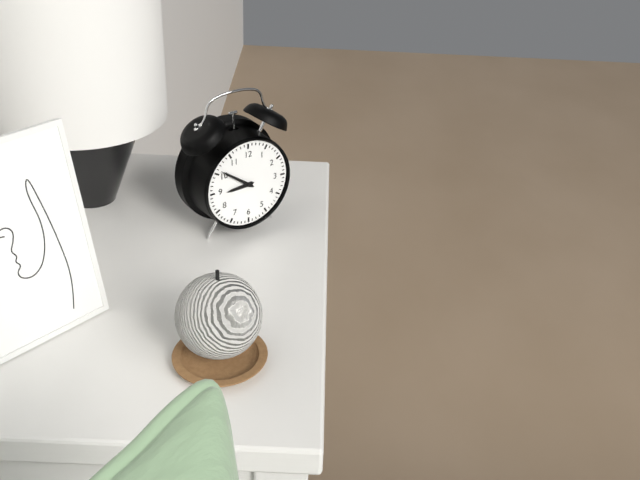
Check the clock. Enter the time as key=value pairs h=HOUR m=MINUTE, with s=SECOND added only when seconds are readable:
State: h=8 m=51
